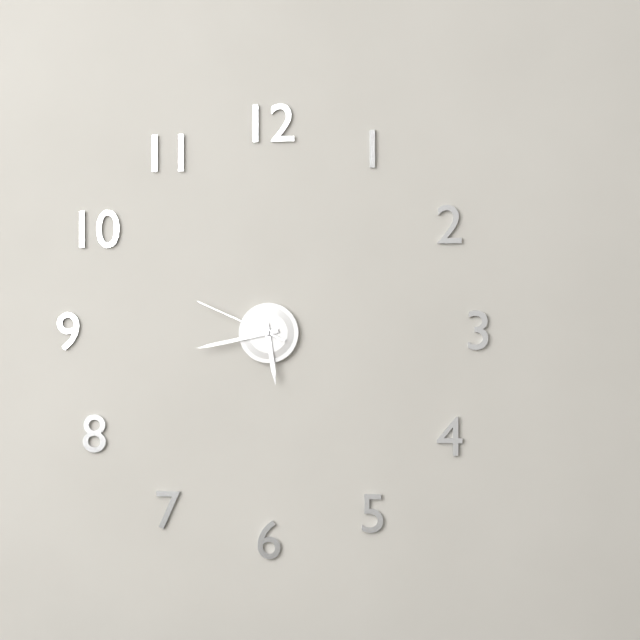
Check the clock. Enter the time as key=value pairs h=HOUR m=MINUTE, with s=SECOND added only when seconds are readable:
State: h=5 m=43 s=49
